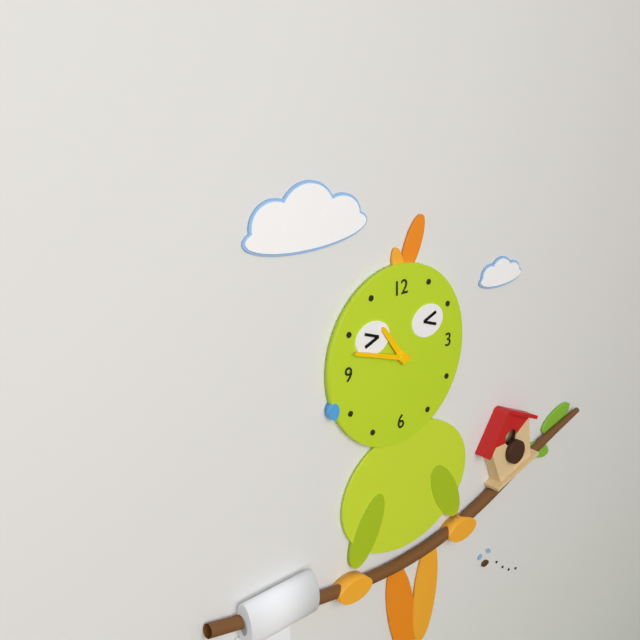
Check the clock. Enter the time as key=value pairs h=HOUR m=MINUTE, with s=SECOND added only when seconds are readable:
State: h=10 m=48
